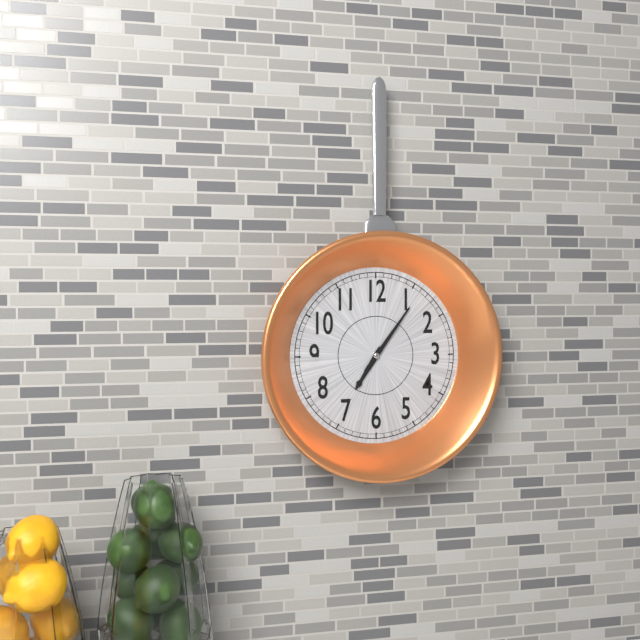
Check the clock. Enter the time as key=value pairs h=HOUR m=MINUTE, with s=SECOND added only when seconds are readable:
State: h=7 m=6
